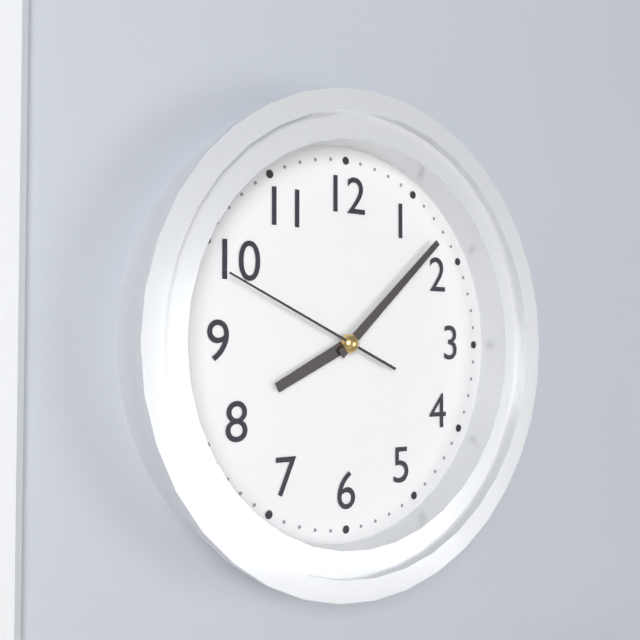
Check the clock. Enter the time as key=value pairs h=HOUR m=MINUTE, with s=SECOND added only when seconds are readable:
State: h=8 m=8 s=49
